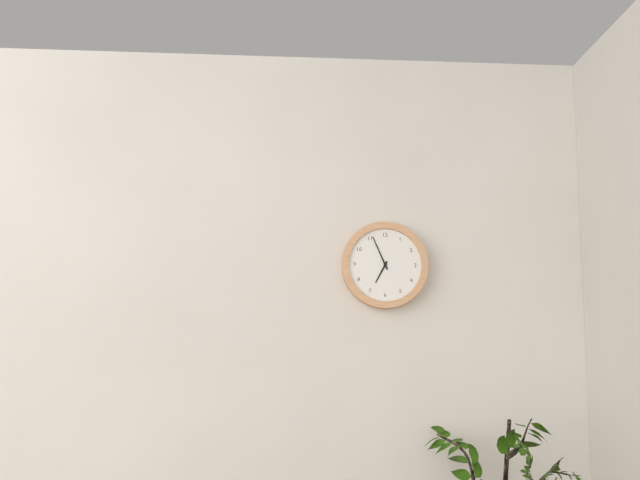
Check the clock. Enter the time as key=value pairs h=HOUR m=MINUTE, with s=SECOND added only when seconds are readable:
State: h=6 m=56
